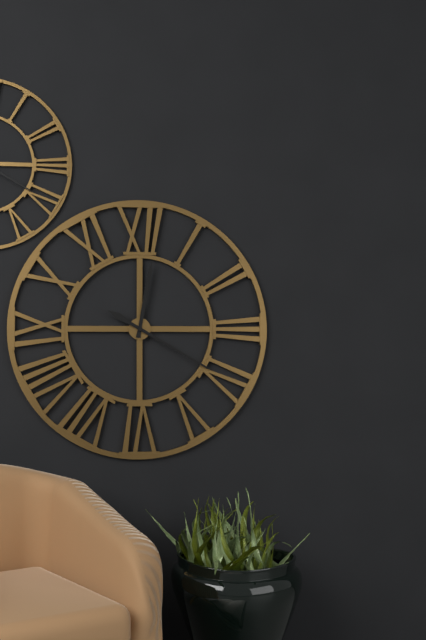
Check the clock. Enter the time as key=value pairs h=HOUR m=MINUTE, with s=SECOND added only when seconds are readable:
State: h=12 m=20
